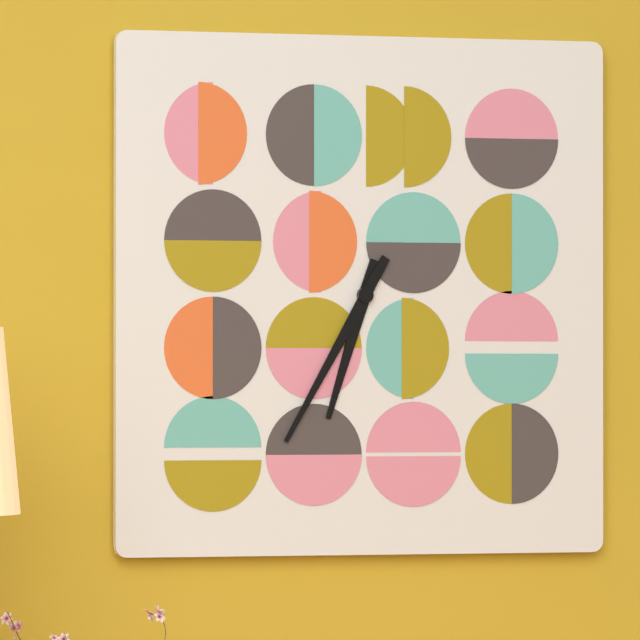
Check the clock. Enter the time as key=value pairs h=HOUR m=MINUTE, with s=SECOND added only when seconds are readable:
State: h=6 m=35
